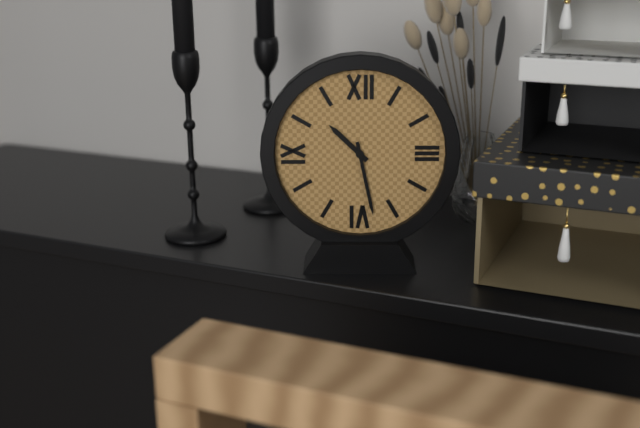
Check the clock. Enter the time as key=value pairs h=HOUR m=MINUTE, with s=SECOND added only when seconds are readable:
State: h=10 m=28
